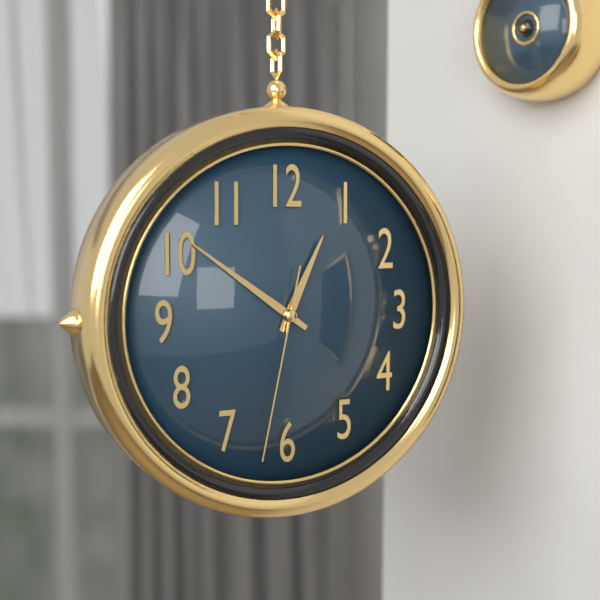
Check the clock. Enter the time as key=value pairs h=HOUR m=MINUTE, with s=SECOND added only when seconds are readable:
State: h=12 m=51 s=32
